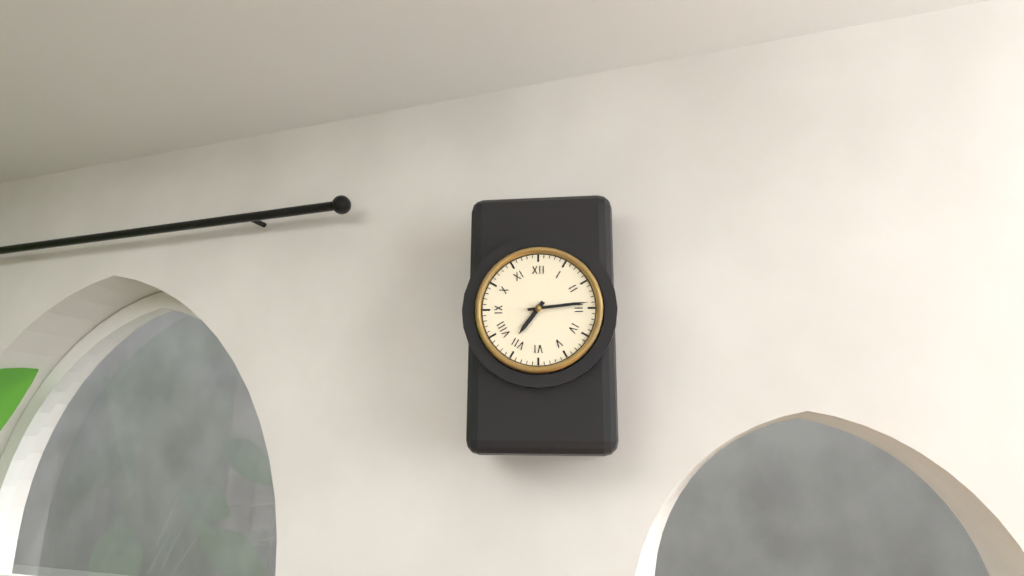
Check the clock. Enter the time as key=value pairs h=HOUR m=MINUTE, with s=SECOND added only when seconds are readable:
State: h=7 m=14
